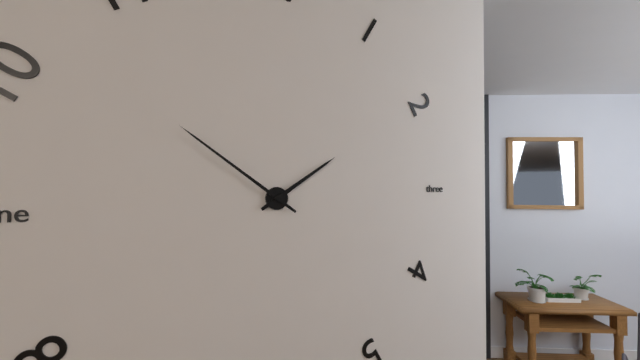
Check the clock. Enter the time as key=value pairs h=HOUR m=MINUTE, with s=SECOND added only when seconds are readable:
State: h=1 m=51
